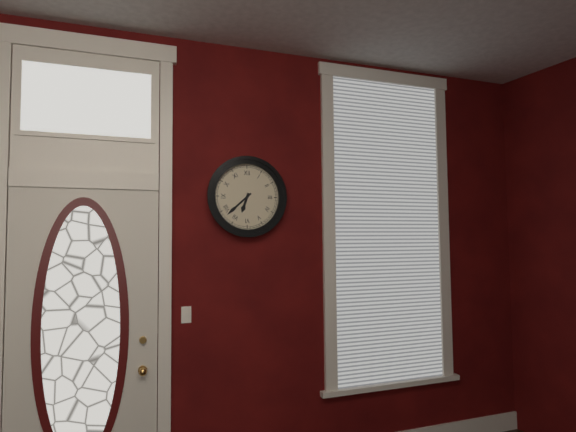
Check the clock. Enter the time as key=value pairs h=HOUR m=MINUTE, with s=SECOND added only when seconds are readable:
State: h=6 m=38
